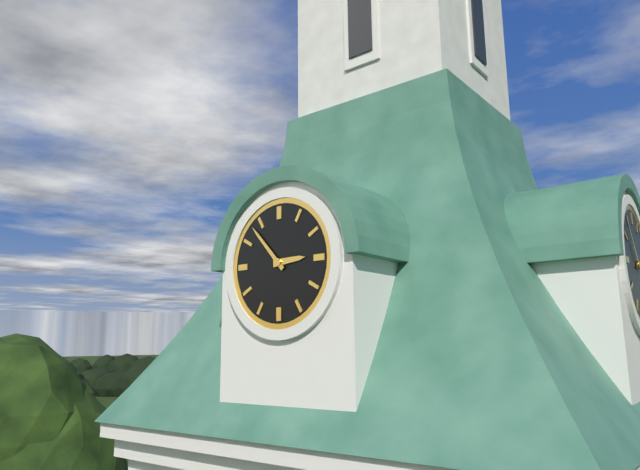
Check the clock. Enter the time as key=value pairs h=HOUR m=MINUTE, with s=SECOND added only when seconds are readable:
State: h=2 m=53
